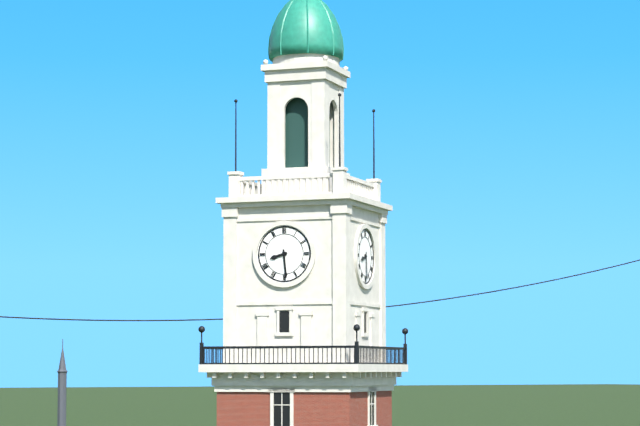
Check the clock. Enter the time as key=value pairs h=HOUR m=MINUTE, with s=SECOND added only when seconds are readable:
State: h=8 m=29
